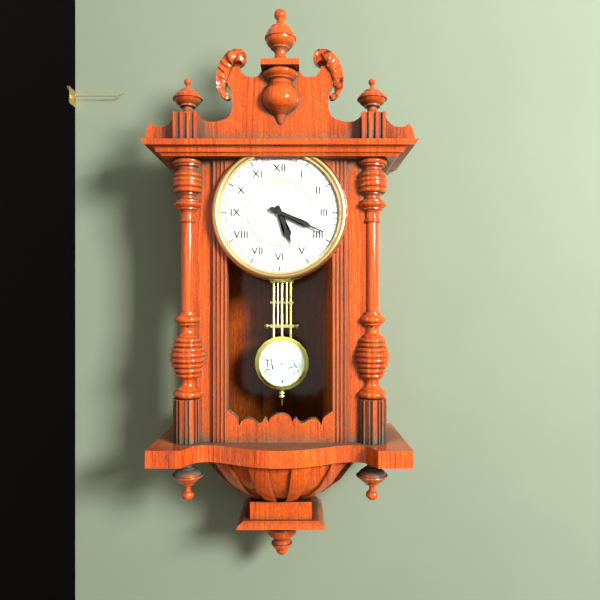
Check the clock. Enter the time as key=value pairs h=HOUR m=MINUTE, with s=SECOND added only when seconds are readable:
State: h=5 m=19
